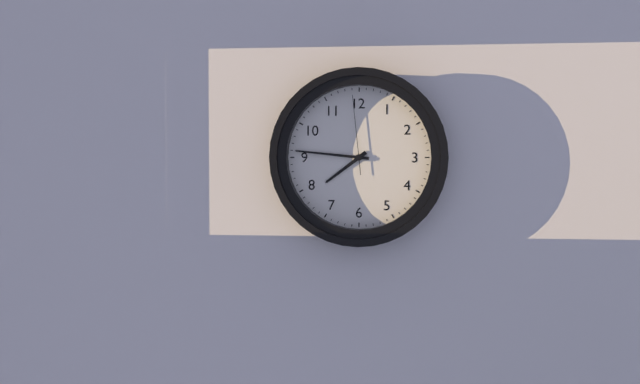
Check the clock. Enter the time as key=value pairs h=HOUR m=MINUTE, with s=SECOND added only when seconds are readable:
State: h=7 m=46 s=59
